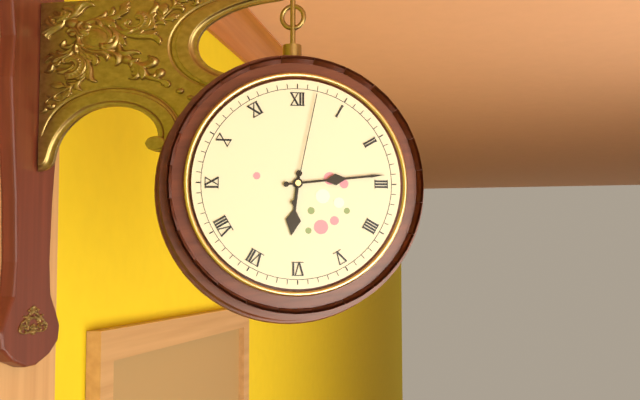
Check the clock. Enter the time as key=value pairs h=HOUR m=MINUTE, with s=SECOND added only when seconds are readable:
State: h=6 m=14 s=2
